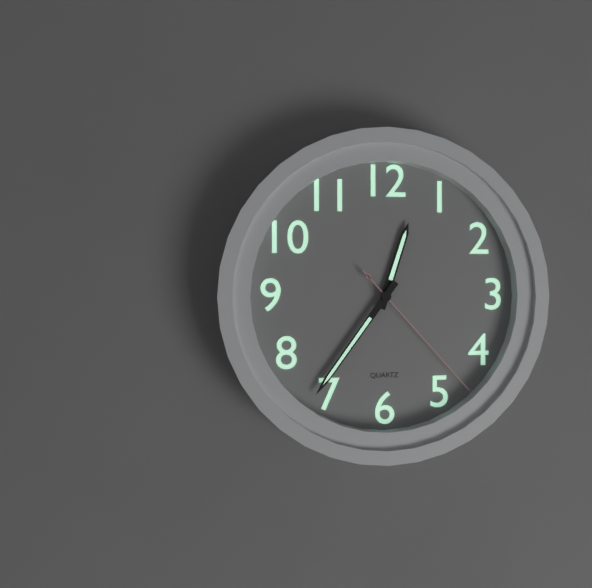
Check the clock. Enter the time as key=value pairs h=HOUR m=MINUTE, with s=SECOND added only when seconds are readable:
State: h=12 m=36 s=23
